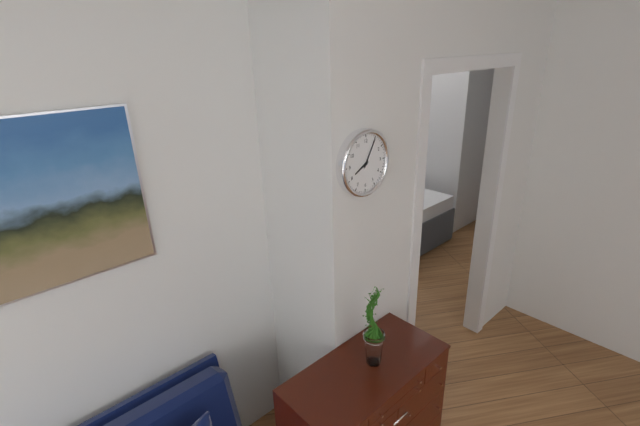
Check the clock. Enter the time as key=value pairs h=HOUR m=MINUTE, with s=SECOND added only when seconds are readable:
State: h=8 m=5
